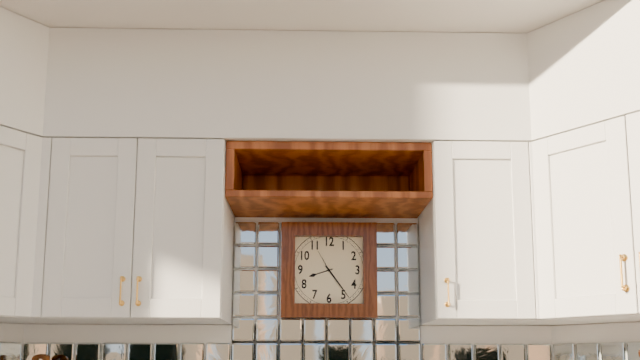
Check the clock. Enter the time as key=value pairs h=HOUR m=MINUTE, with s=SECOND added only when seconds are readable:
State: h=8 m=24
